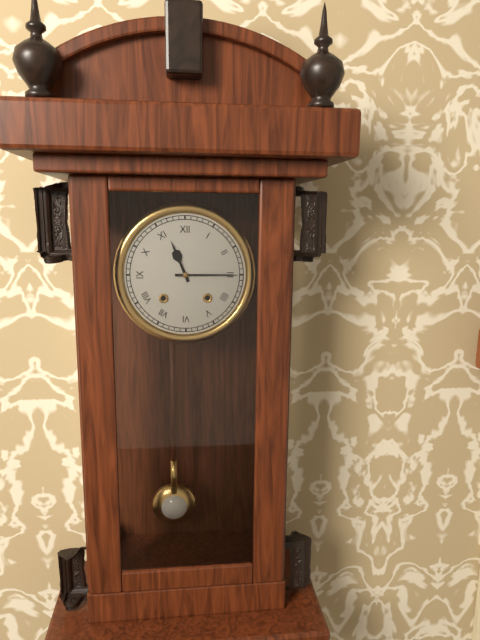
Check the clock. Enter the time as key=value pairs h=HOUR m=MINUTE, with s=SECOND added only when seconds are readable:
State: h=11 m=15
